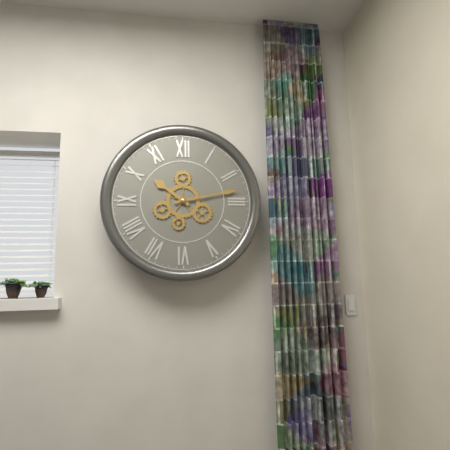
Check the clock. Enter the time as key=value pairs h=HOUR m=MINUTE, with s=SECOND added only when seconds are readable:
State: h=10 m=13
